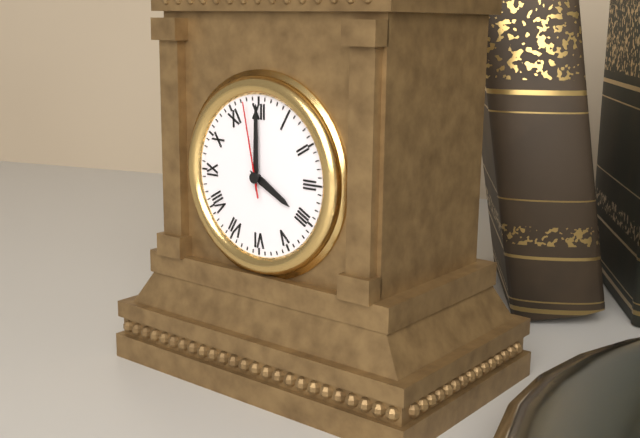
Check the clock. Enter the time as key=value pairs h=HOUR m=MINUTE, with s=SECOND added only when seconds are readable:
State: h=4 m=0 s=58
